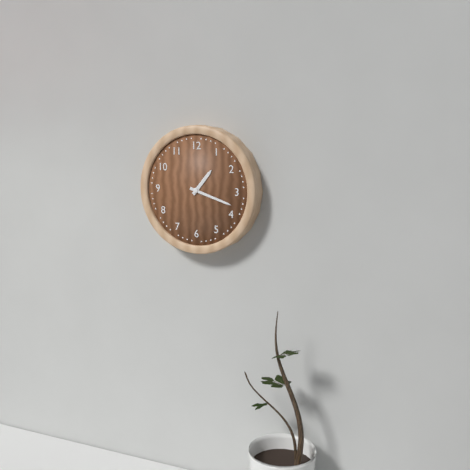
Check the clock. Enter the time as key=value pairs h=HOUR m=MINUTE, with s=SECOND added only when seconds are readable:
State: h=1 m=18
